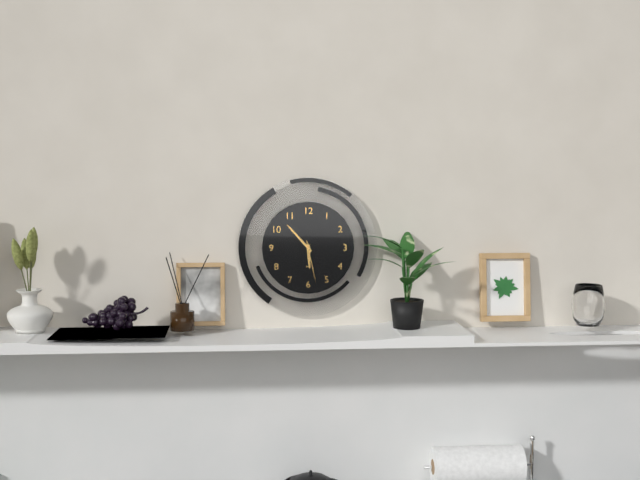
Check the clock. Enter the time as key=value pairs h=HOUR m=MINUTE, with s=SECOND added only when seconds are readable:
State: h=5 m=53
